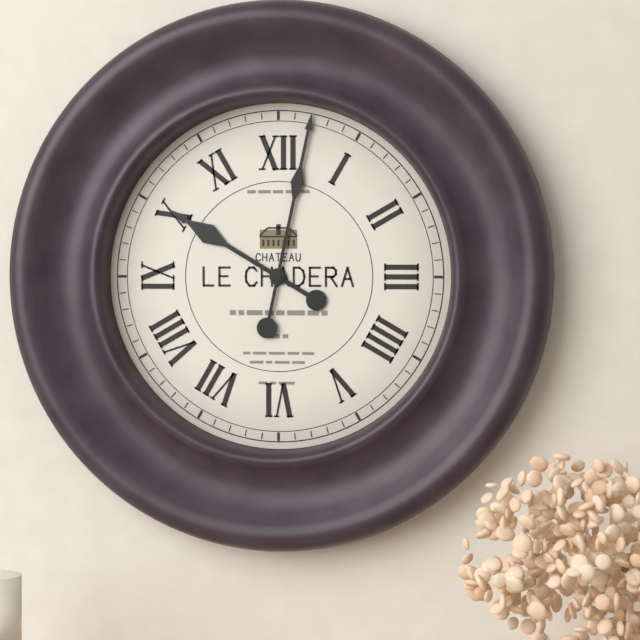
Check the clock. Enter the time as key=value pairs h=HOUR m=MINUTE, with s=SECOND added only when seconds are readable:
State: h=10 m=2
